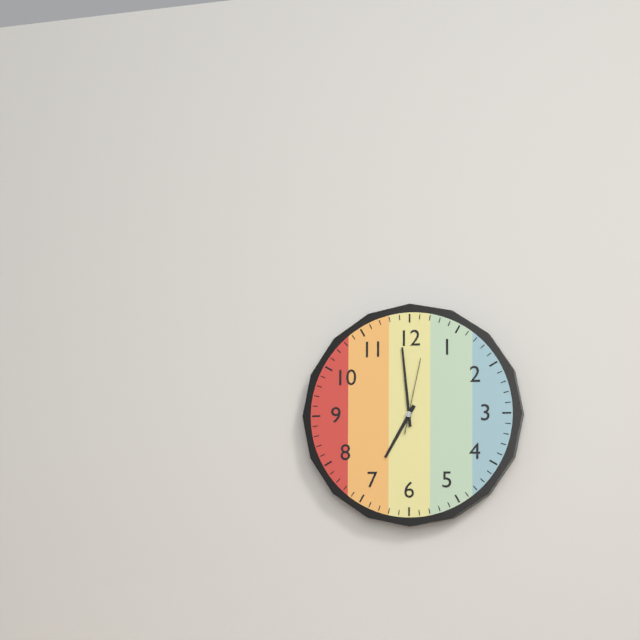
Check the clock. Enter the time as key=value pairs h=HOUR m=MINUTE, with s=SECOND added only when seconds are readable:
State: h=6 m=59 s=2
